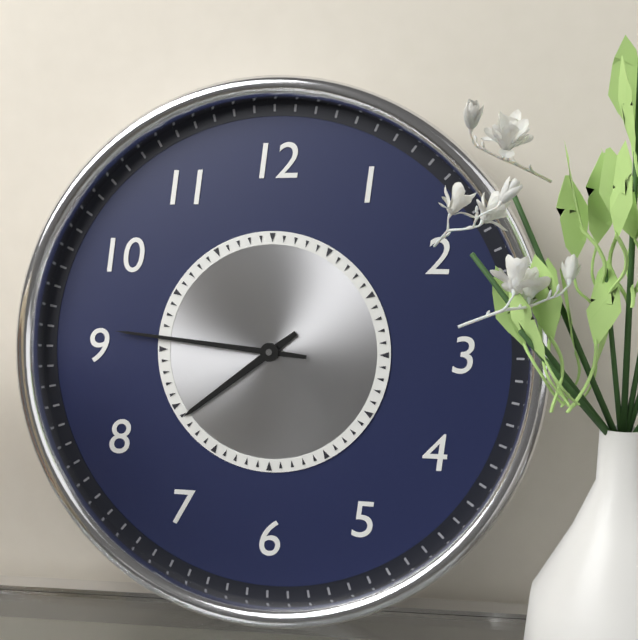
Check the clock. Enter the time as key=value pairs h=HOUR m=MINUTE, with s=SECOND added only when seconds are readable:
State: h=7 m=46
